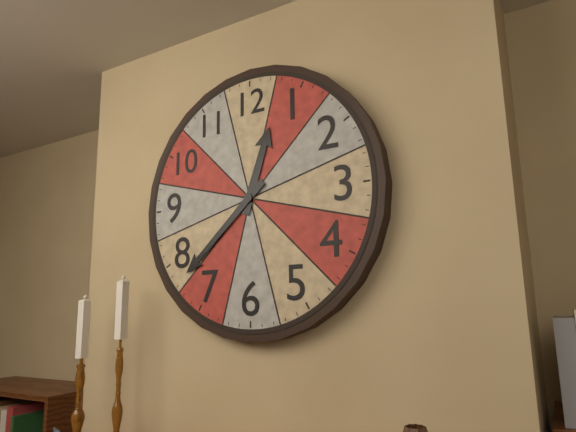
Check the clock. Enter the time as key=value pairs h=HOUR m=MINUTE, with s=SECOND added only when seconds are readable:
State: h=12 m=38
